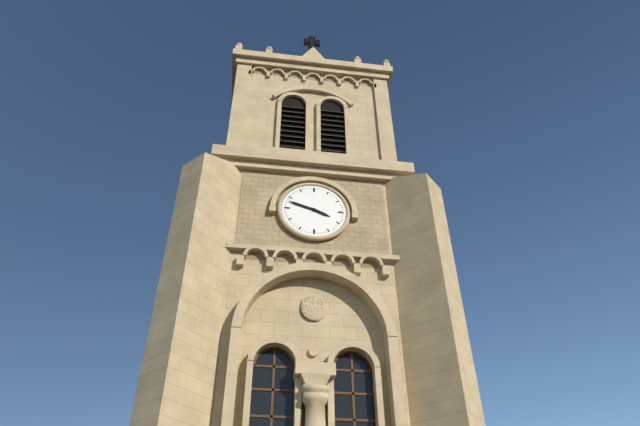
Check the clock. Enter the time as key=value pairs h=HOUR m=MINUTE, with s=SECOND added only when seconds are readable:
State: h=3 m=48
